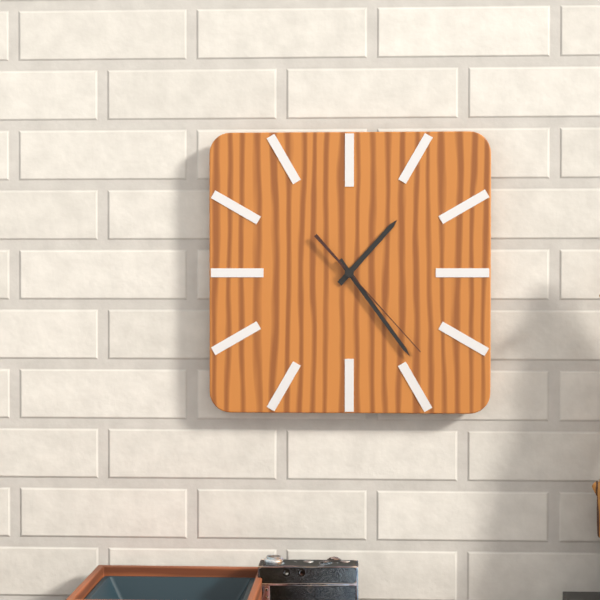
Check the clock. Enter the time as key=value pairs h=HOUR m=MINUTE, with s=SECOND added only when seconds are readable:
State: h=1 m=24 s=23
